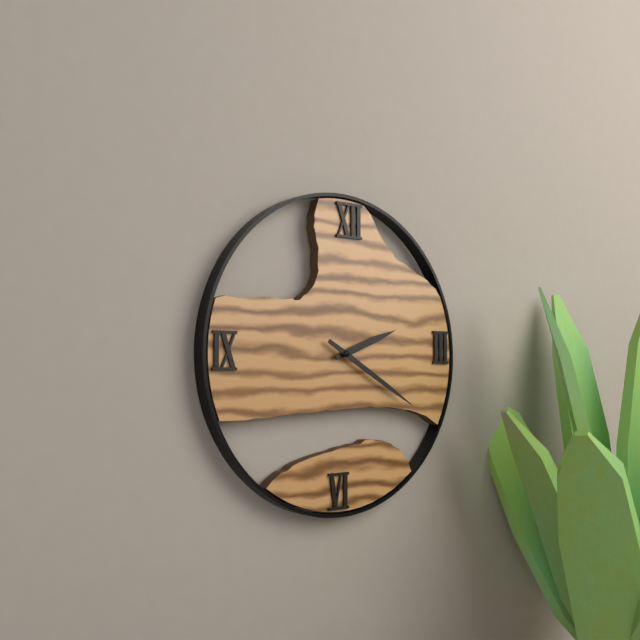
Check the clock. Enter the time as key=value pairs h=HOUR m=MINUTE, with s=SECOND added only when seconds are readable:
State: h=2 m=20
